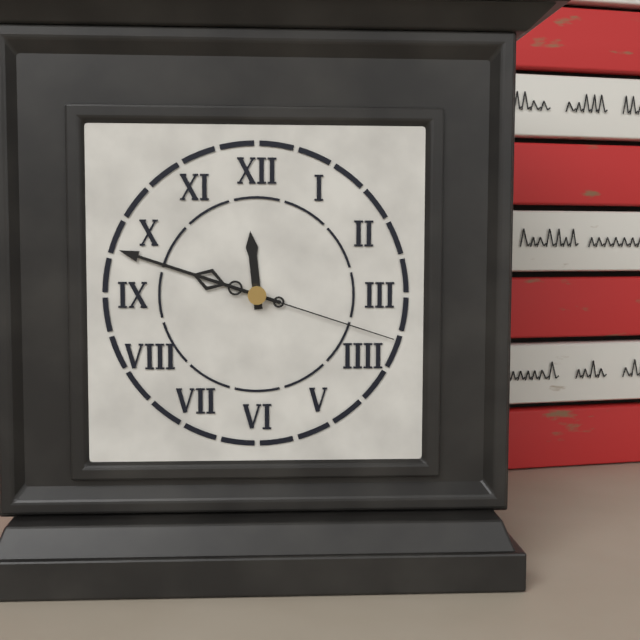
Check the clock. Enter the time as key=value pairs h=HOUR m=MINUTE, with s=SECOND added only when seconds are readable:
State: h=11 m=48 s=18
